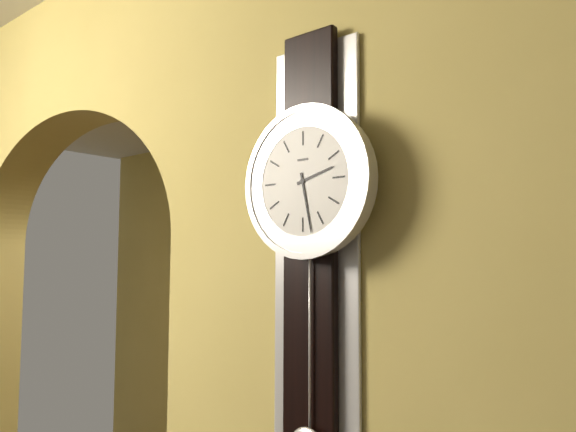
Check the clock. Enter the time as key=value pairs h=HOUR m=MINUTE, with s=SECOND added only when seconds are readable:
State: h=2 m=28
